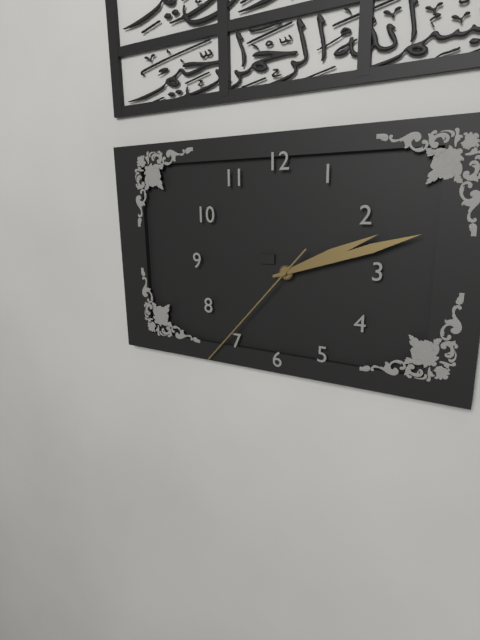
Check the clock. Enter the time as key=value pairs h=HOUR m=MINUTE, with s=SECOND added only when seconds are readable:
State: h=2 m=12 s=37
